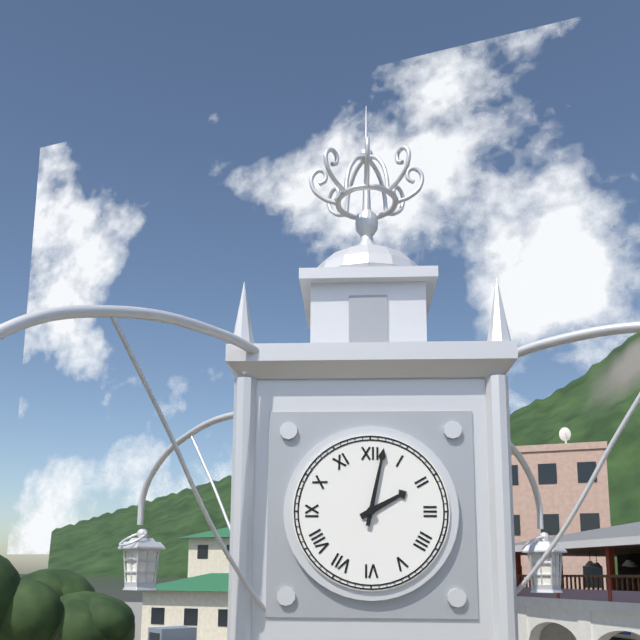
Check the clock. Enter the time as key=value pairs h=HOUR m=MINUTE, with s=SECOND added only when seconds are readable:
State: h=2 m=2
